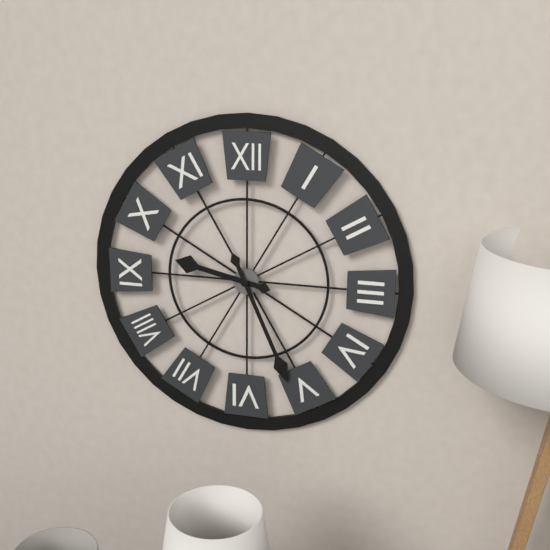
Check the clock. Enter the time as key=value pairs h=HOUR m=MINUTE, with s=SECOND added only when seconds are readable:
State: h=9 m=26
